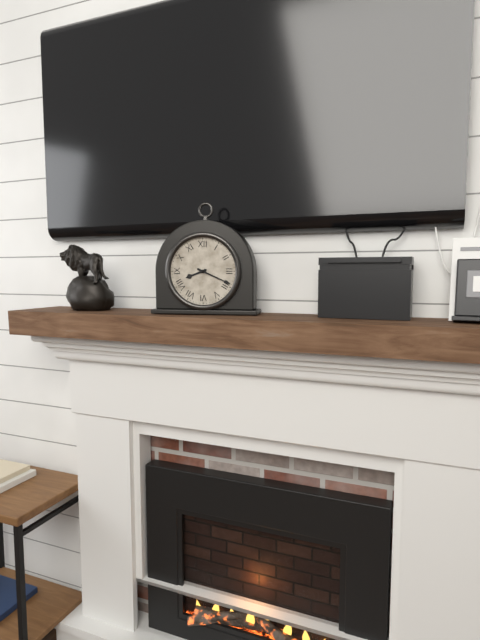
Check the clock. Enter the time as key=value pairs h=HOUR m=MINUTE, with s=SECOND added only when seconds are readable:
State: h=8 m=19
